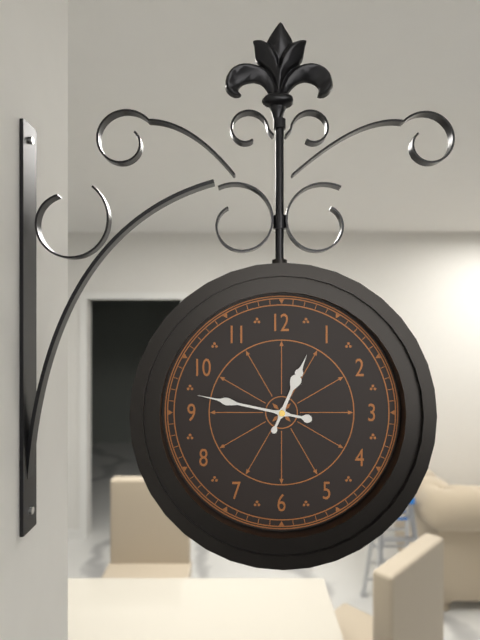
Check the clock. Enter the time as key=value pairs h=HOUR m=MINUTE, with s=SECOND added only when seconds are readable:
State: h=12 m=47
